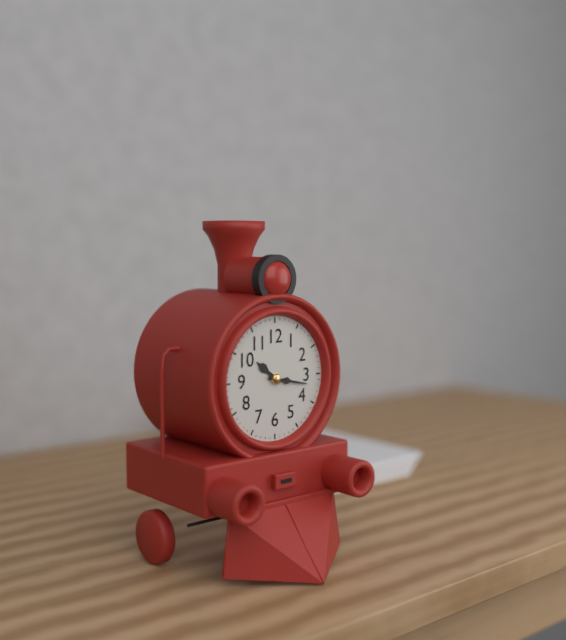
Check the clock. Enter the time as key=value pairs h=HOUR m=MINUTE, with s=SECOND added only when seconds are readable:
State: h=10 m=17
